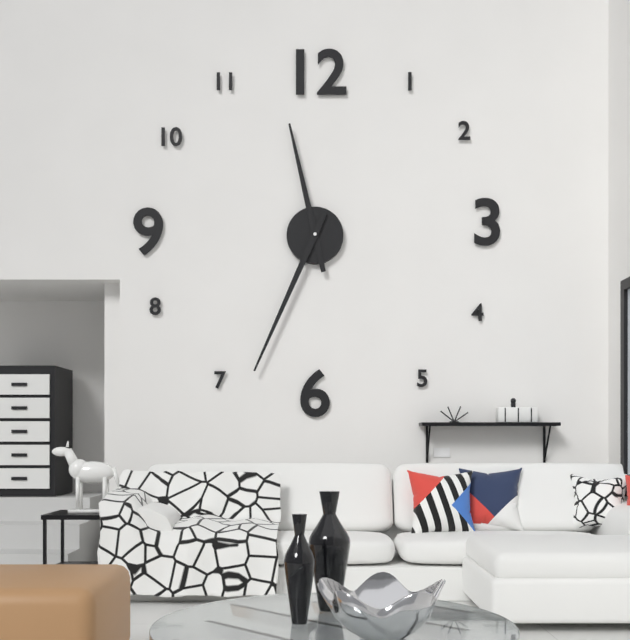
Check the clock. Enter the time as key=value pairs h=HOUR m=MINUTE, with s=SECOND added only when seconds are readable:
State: h=11 m=34
